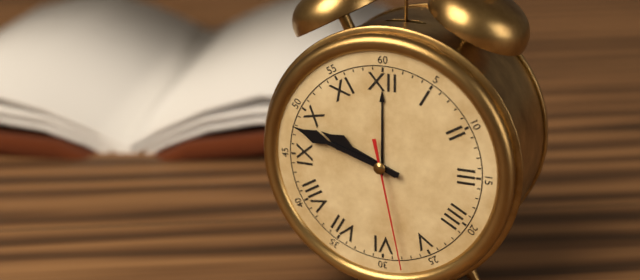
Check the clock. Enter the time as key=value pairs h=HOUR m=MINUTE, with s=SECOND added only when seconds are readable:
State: h=9 m=48 s=28
